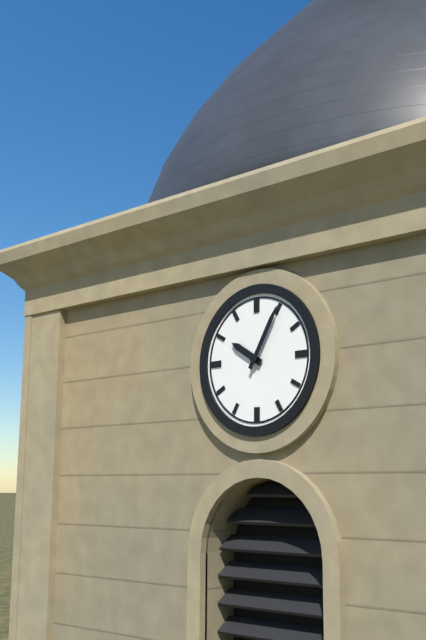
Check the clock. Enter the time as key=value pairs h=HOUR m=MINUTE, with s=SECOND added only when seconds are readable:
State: h=10 m=5
